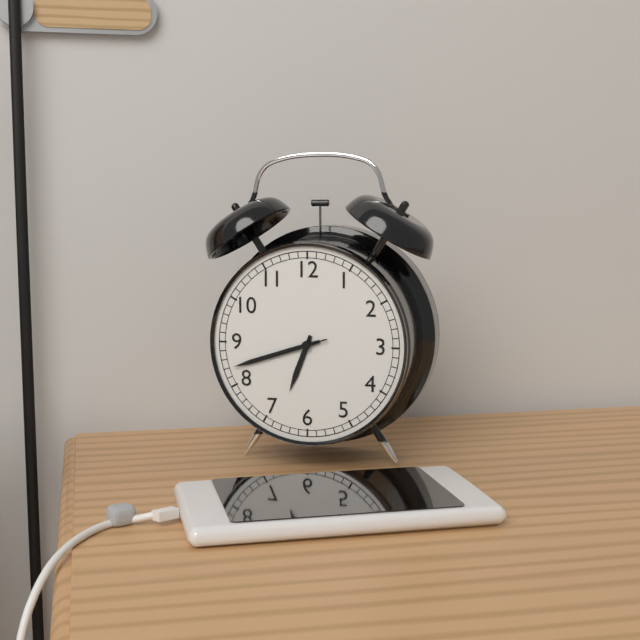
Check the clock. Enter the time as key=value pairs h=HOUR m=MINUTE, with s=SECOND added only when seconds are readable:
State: h=6 m=42 s=42
